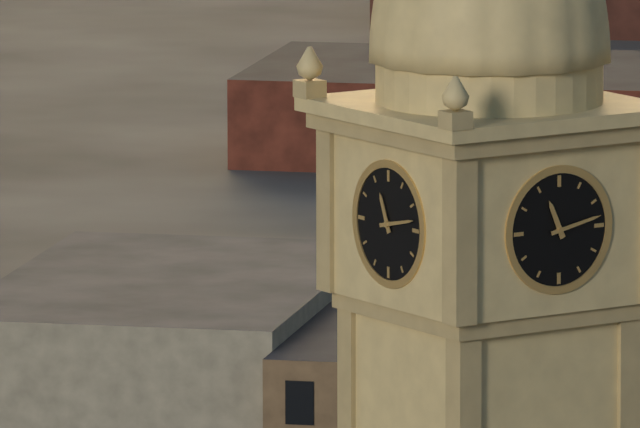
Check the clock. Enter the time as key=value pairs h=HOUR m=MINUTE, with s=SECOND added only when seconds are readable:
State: h=11 m=13
